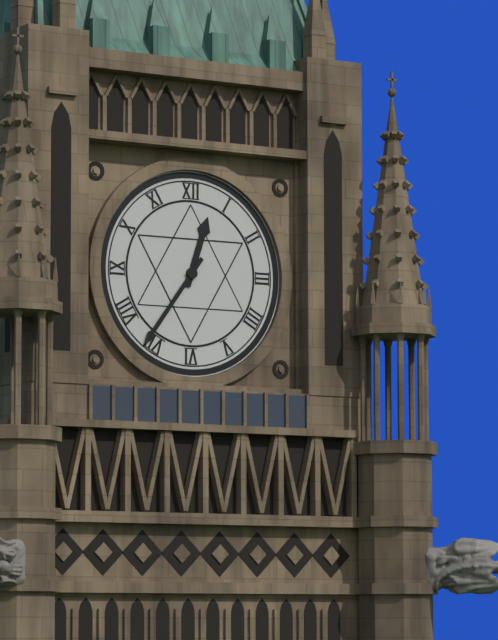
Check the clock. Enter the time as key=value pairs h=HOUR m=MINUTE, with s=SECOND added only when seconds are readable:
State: h=12 m=36
